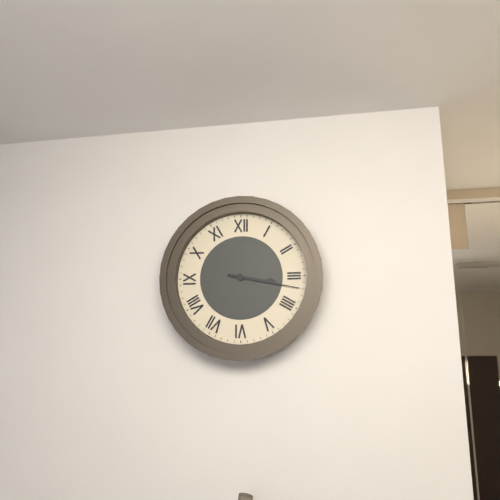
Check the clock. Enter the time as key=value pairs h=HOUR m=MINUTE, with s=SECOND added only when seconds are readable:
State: h=3 m=17
